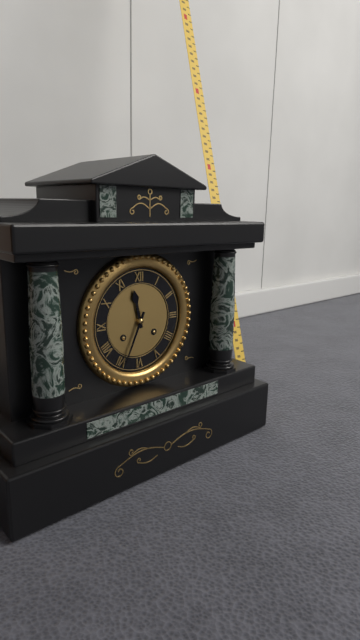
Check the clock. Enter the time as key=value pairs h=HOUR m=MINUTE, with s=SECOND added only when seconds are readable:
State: h=11 m=34
